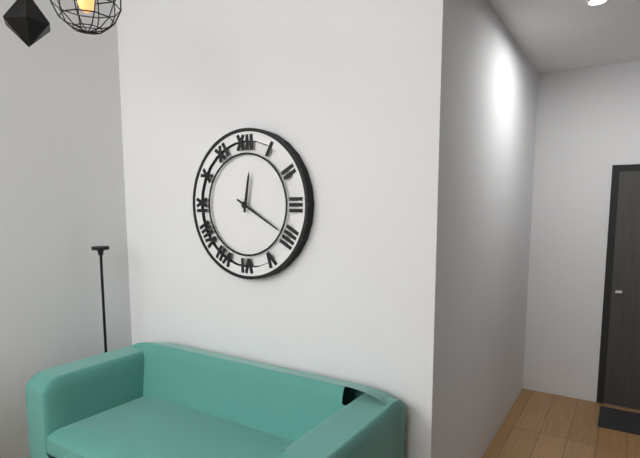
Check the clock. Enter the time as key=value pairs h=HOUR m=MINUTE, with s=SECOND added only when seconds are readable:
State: h=12 m=20
